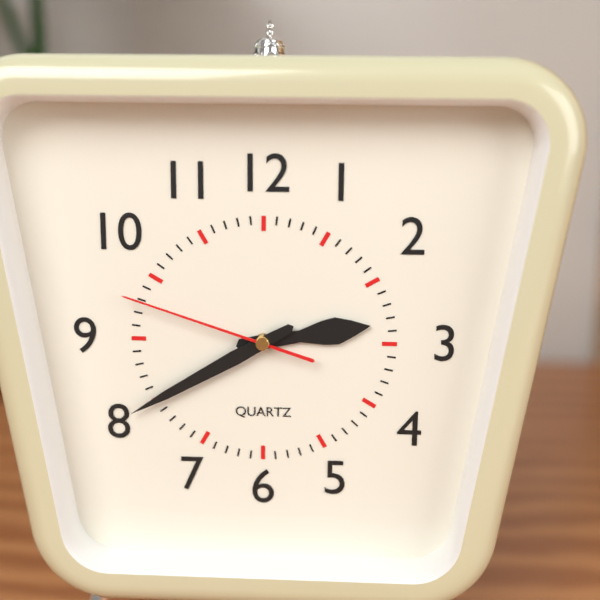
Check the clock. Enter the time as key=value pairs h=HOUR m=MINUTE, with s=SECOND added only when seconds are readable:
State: h=2 m=40 s=48
